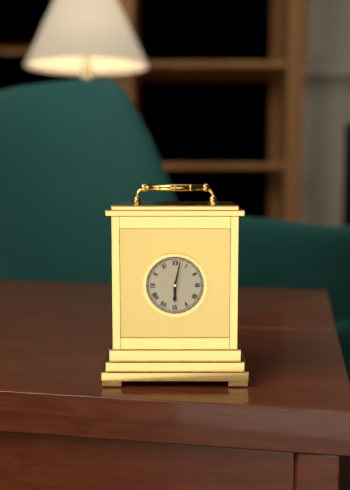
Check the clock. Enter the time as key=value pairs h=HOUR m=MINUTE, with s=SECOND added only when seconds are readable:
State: h=6 m=2
